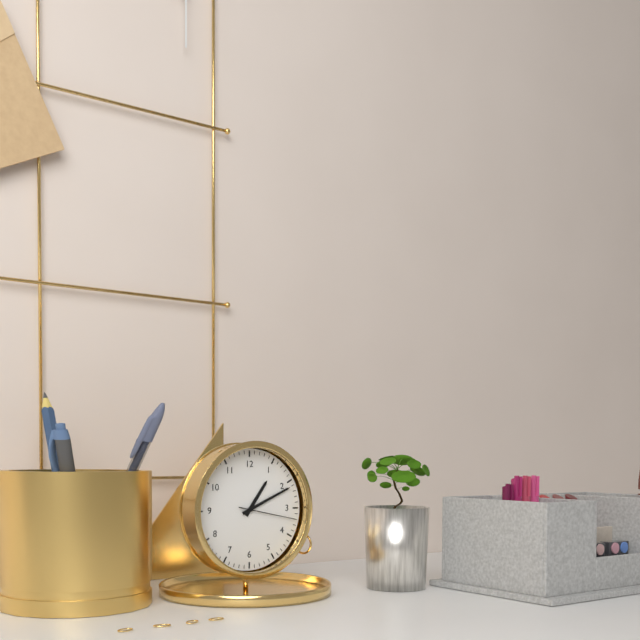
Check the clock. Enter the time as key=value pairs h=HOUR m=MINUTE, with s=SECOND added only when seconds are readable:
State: h=1 m=11 s=17
